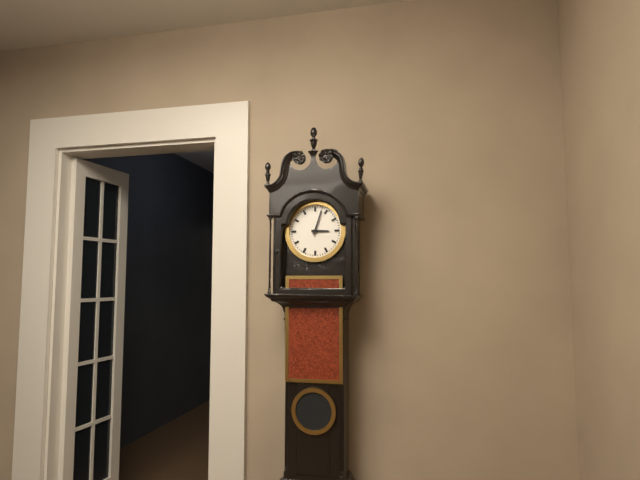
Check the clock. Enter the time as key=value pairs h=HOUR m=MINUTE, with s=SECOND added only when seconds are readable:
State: h=3 m=3
